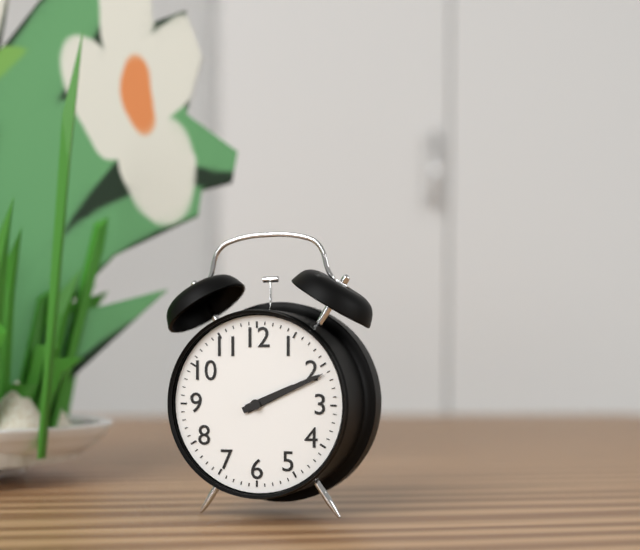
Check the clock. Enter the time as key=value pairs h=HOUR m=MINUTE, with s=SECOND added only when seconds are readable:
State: h=2 m=11
